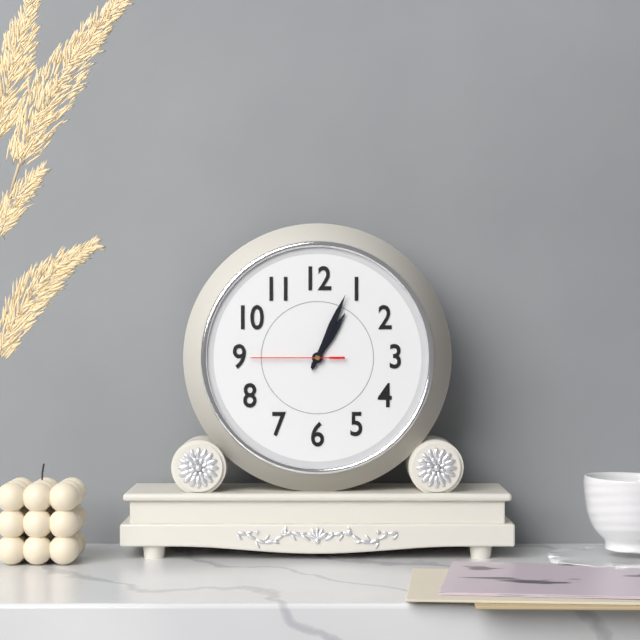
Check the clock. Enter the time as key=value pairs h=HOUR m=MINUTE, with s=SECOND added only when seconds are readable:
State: h=1 m=4 s=45
